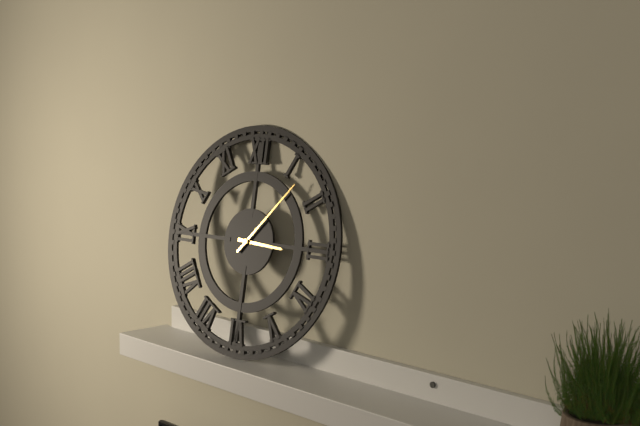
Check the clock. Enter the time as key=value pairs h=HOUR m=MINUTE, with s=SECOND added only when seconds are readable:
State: h=3 m=7
